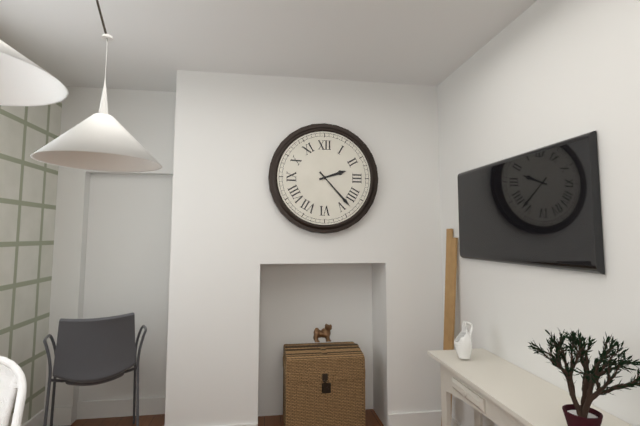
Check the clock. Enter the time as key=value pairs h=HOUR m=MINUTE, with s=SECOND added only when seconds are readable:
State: h=2 m=23
